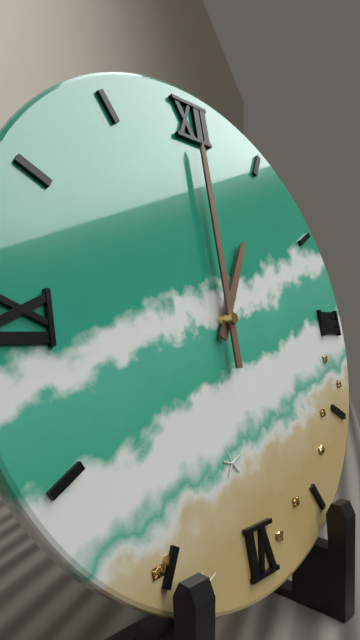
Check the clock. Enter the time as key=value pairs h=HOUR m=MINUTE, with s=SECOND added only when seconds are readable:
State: h=1 m=0
